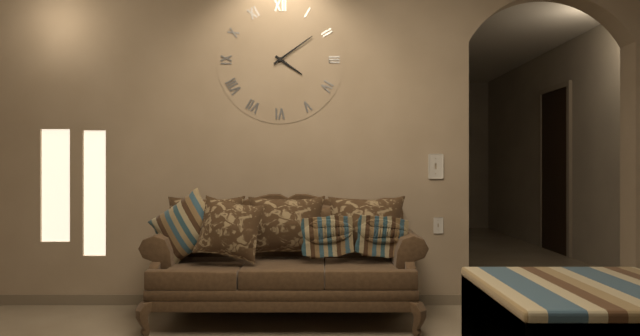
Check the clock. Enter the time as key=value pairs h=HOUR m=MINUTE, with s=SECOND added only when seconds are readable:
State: h=4 m=9
